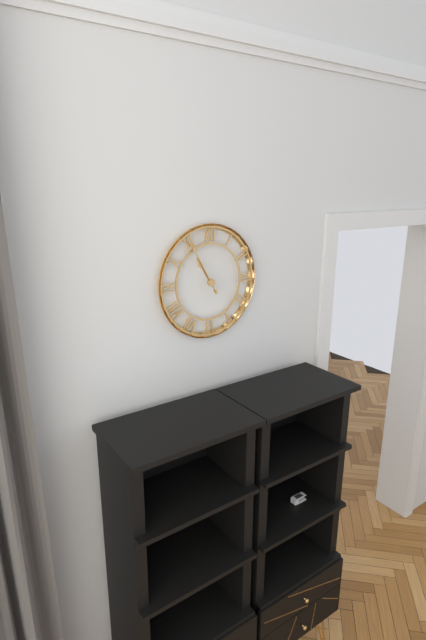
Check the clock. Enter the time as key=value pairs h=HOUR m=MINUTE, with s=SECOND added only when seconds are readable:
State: h=10 m=55
